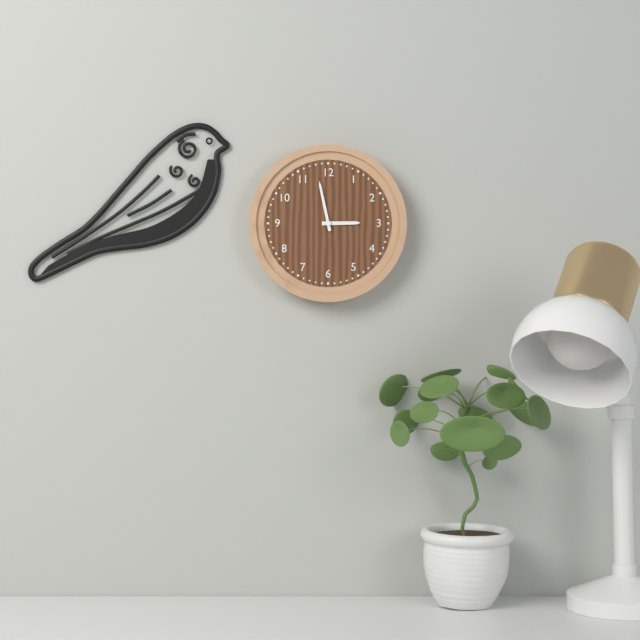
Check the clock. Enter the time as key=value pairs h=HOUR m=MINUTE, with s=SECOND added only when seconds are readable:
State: h=2 m=58
